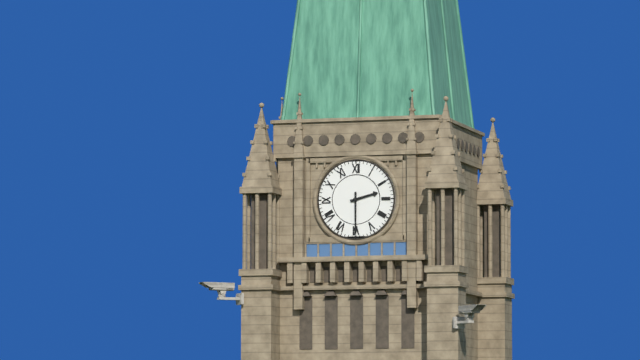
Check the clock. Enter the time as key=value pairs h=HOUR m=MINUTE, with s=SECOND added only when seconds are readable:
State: h=2 m=30
